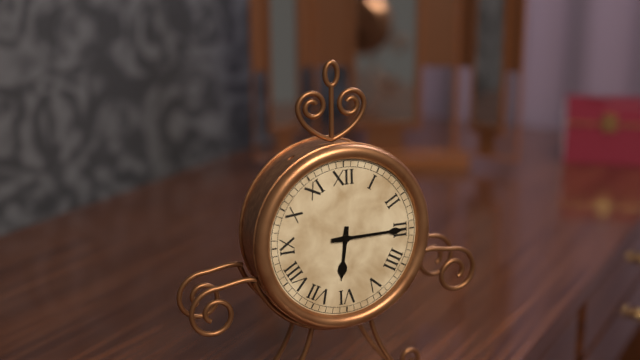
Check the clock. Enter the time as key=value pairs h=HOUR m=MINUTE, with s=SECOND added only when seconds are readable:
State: h=6 m=15
